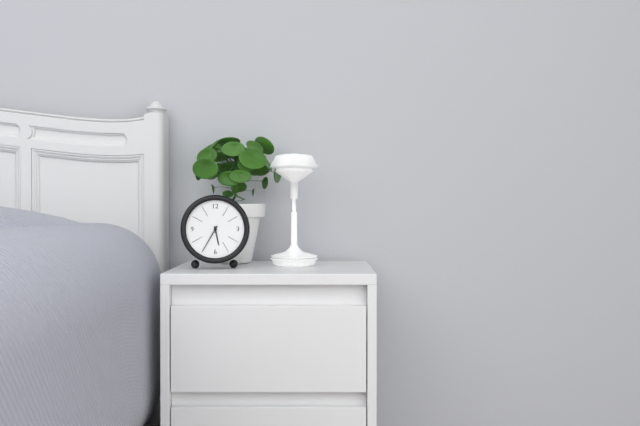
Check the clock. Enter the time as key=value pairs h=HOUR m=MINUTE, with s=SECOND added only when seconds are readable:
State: h=5 m=35
